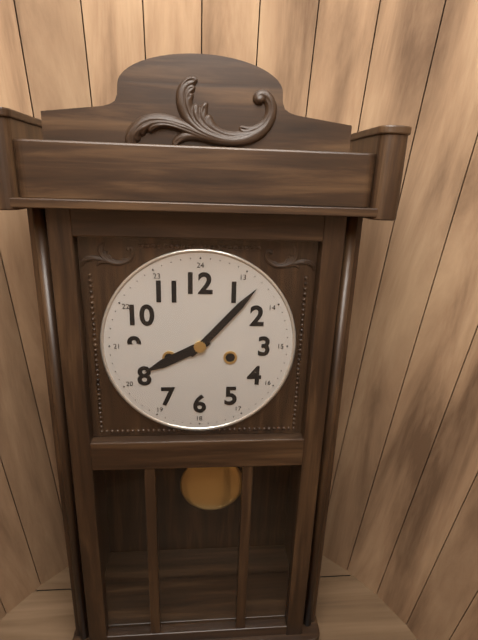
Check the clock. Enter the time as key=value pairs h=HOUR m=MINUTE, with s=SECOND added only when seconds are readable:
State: h=8 m=7
